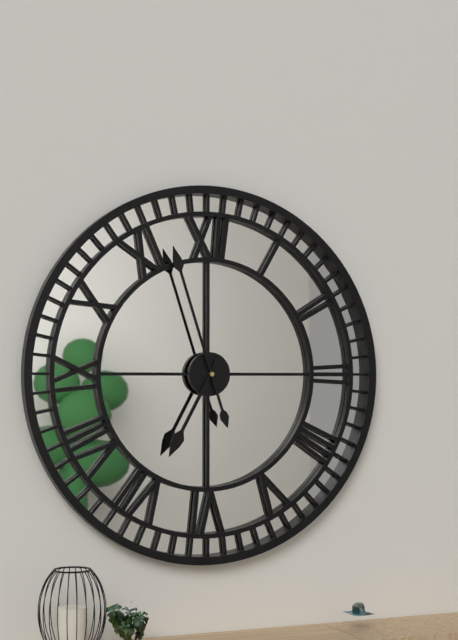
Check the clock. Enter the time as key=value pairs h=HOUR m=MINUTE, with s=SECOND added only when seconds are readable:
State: h=6 m=57
